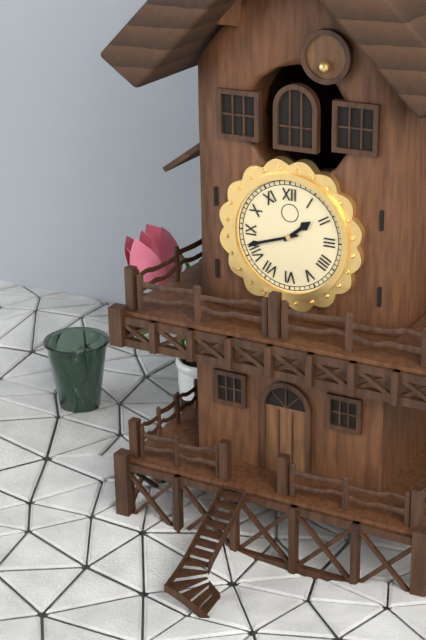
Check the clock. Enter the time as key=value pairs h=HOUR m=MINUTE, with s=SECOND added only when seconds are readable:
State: h=1 m=42
